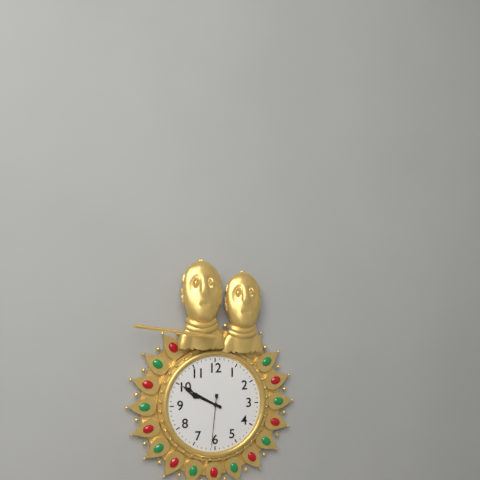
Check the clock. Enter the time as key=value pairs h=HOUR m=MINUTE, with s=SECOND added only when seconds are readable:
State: h=9 m=50 s=31
